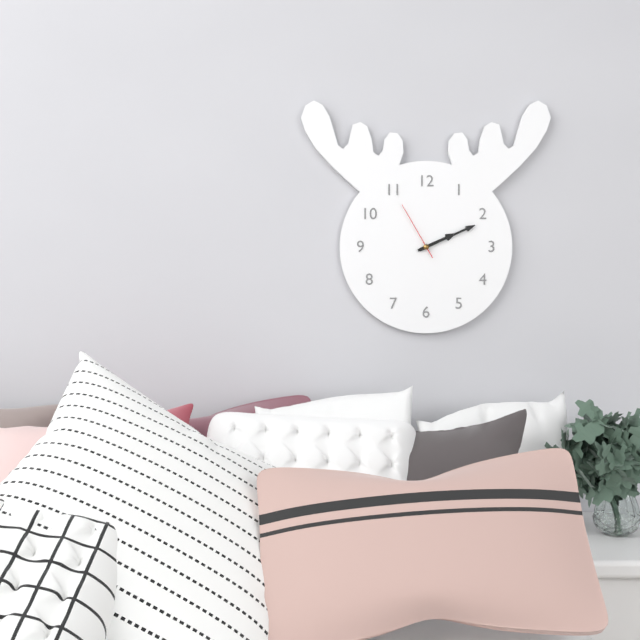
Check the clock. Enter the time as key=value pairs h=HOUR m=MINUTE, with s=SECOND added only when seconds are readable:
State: h=2 m=11 s=55
